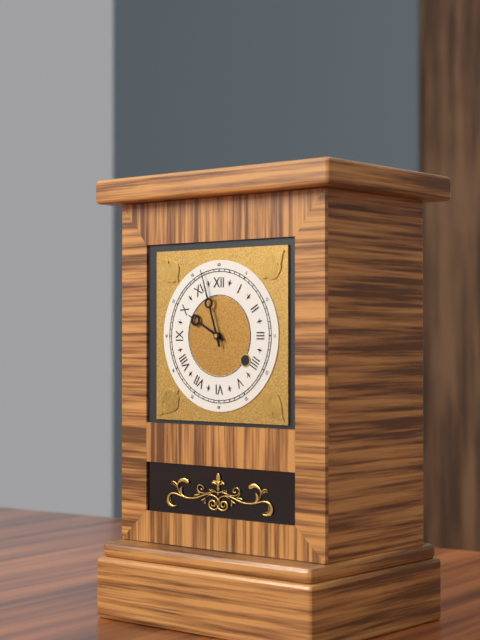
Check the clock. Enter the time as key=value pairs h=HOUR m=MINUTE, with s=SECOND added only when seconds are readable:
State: h=9 m=57
